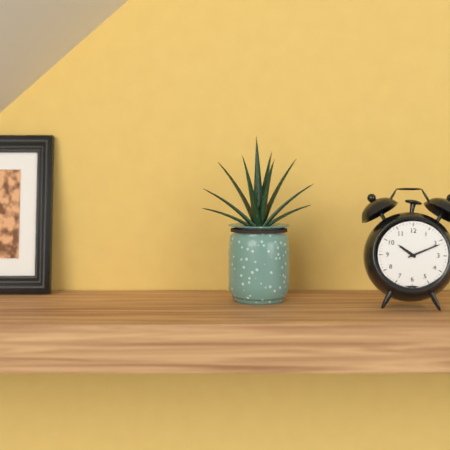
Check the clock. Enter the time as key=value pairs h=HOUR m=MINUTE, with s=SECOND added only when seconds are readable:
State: h=10 m=11
